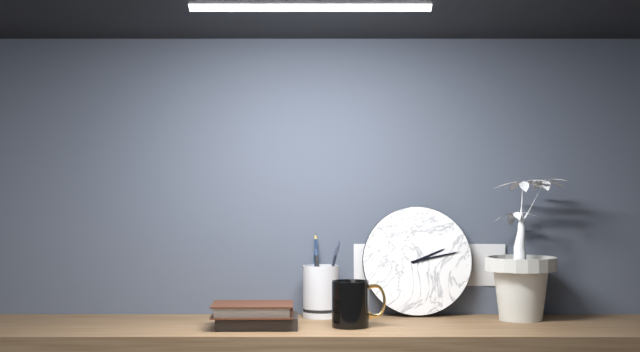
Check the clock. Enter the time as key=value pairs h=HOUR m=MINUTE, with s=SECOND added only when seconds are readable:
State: h=2 m=13
